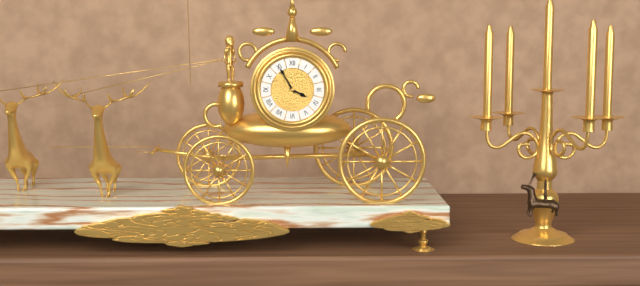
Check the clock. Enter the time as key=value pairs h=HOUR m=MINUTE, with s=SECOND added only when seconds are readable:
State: h=3 m=55
